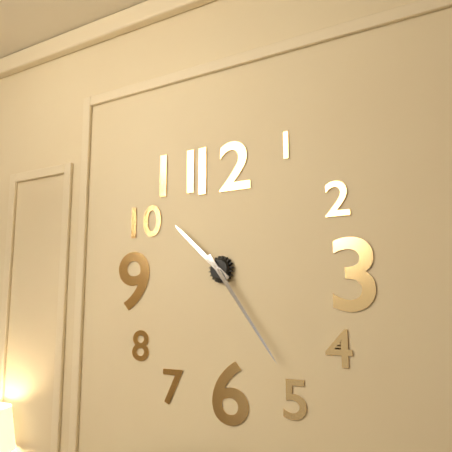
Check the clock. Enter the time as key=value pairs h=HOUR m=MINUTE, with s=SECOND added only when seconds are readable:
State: h=10 m=24
